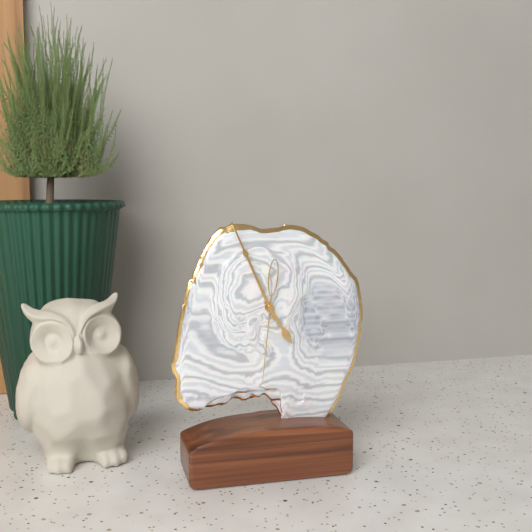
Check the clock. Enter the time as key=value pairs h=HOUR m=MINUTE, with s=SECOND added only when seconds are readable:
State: h=4 m=56 s=31
